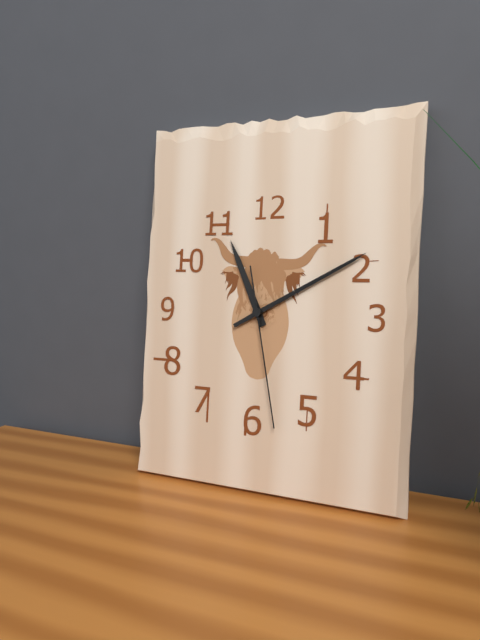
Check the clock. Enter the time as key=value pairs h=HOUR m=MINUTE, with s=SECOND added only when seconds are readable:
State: h=11 m=10 s=28
